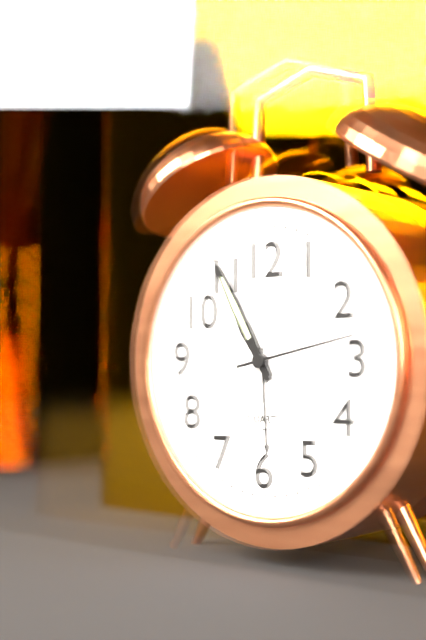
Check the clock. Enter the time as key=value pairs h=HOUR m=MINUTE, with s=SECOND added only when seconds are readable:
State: h=10 m=55 s=13
